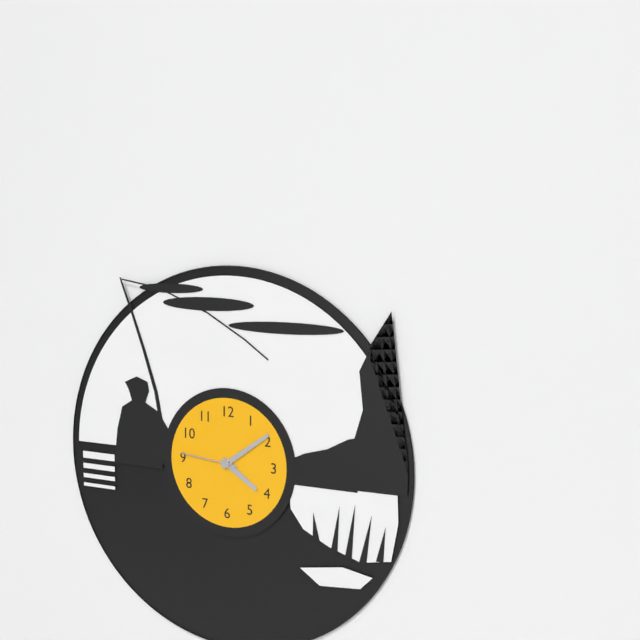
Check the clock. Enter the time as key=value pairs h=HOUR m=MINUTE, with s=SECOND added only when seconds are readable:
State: h=4 m=9 s=46
